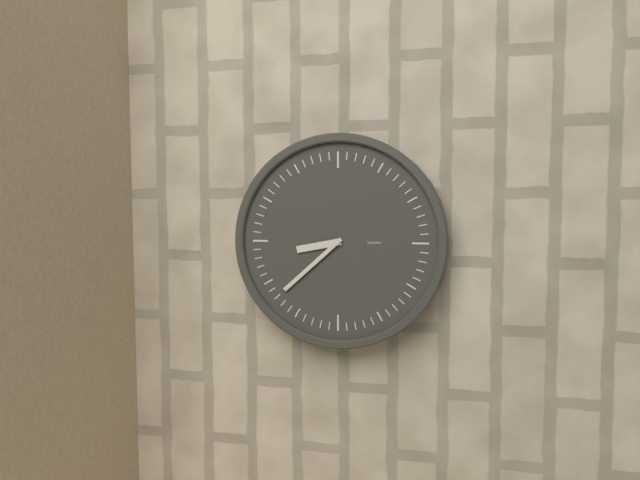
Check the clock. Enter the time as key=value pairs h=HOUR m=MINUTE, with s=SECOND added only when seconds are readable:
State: h=8 m=38
